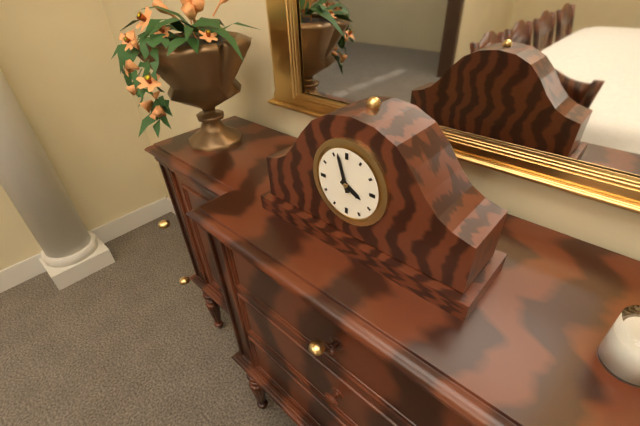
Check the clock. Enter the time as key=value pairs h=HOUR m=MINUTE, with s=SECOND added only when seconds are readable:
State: h=3 m=57
